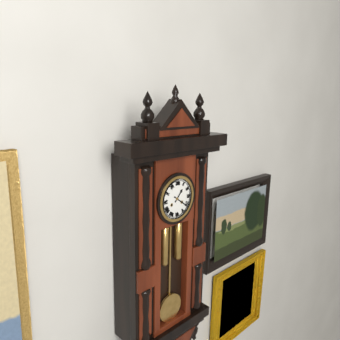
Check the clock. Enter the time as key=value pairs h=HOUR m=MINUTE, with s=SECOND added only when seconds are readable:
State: h=1 m=21
